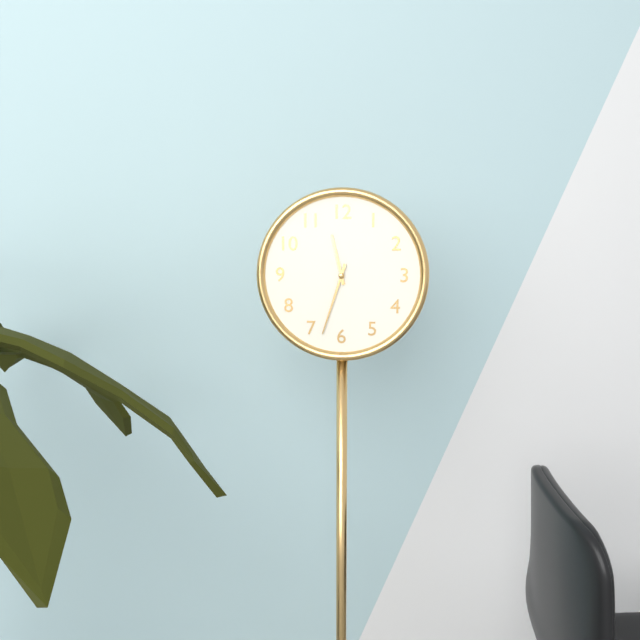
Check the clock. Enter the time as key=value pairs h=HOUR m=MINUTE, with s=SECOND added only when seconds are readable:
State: h=11 m=33
